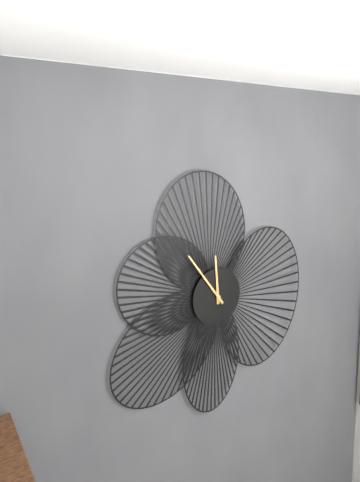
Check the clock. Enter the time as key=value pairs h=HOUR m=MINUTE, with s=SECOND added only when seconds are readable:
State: h=11 m=54
